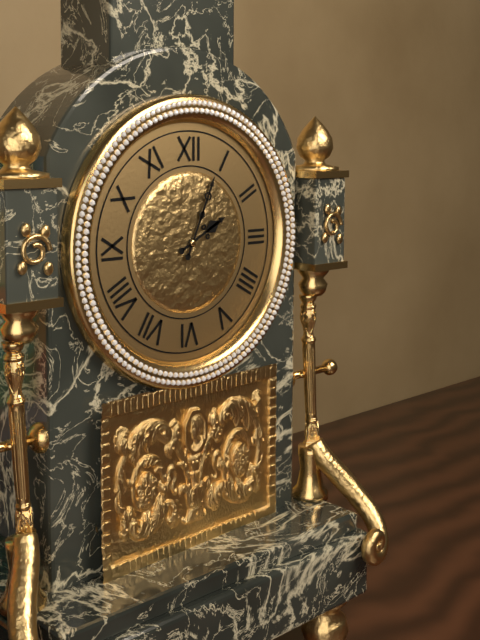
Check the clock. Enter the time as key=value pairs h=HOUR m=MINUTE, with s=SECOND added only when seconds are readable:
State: h=2 m=4
